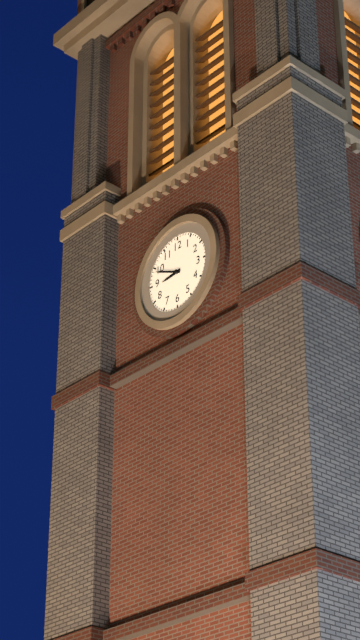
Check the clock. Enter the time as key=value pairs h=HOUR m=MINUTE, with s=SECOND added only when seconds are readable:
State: h=8 m=49
